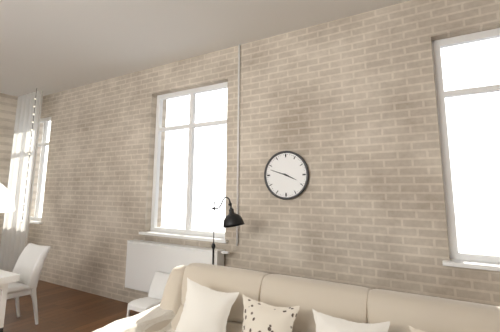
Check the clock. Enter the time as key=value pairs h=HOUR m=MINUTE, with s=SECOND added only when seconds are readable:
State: h=3 m=48
